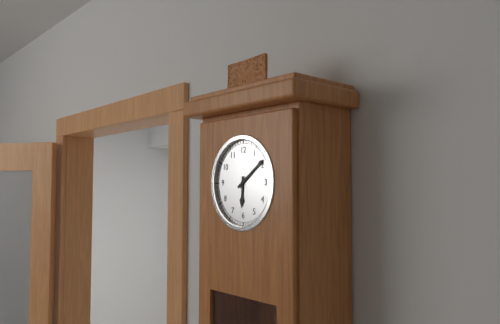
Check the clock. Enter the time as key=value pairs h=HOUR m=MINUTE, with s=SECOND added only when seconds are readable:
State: h=6 m=9
